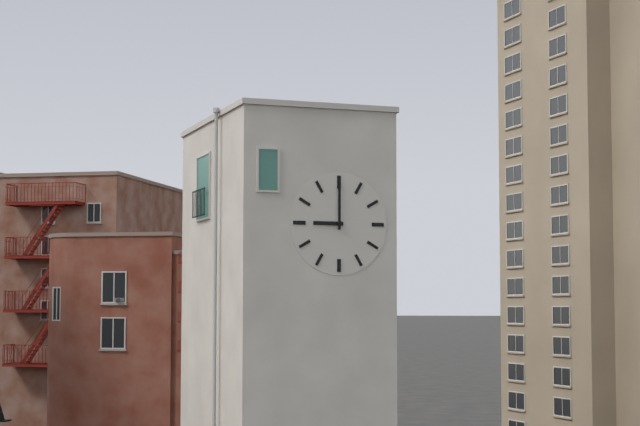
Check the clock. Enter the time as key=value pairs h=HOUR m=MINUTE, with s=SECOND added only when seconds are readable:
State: h=9 m=0
